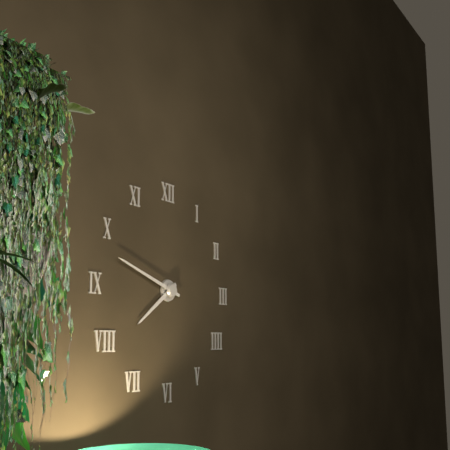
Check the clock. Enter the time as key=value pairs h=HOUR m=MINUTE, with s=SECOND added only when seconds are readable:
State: h=7 m=48
